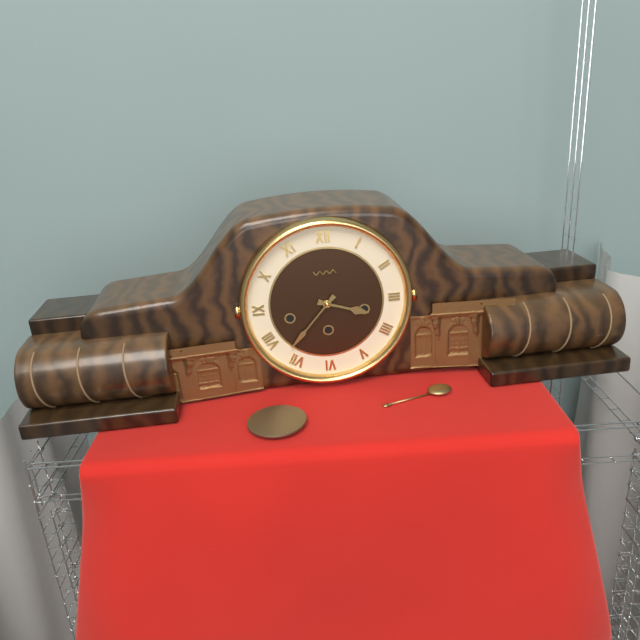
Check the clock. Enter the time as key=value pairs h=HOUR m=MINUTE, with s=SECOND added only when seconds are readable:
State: h=3 m=37
